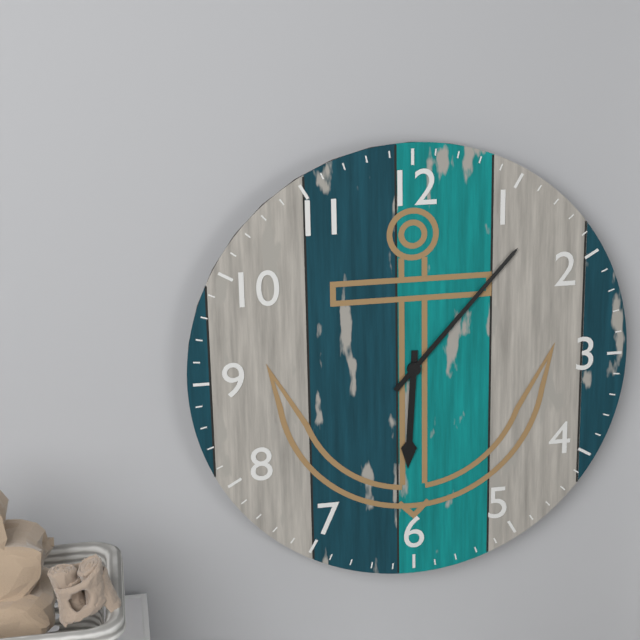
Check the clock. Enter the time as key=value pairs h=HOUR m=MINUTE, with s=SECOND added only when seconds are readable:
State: h=6 m=7
